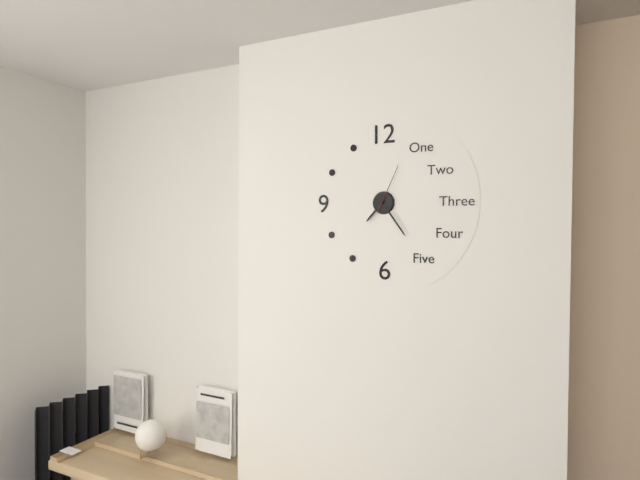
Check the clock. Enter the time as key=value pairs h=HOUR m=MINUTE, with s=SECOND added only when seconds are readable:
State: h=7 m=24 s=4
